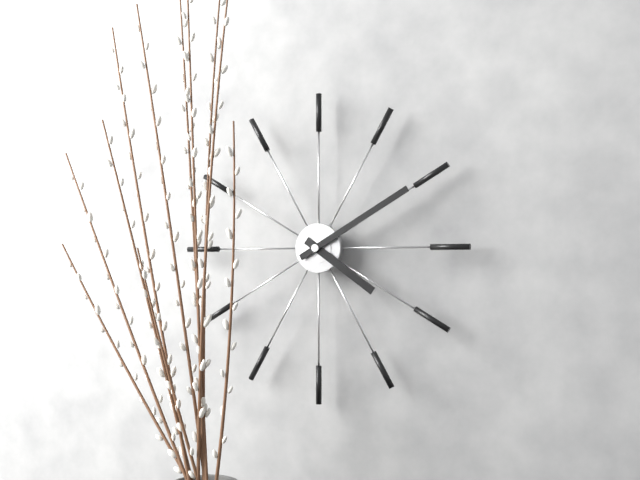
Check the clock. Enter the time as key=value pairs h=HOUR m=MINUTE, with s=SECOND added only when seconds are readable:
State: h=4 m=10
